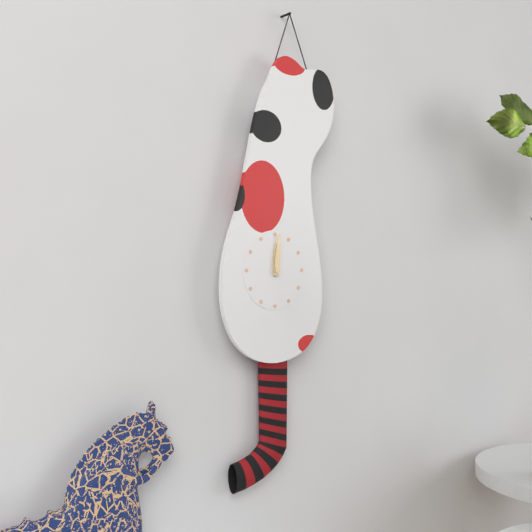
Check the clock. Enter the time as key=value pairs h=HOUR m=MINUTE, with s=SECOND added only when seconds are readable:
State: h=12 m=1
